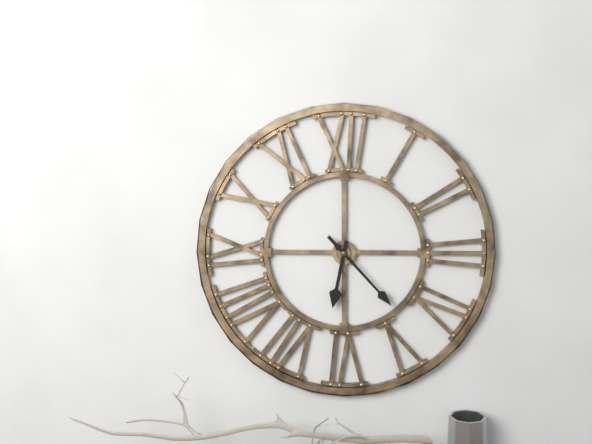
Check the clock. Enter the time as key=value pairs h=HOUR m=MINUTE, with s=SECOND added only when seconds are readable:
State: h=6 m=23
